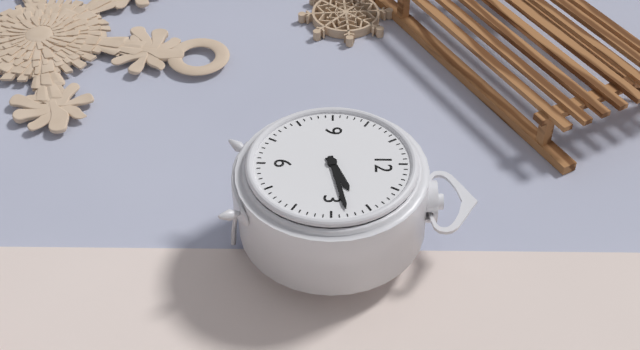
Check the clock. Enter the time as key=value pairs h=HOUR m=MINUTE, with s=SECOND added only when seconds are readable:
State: h=2 m=13
